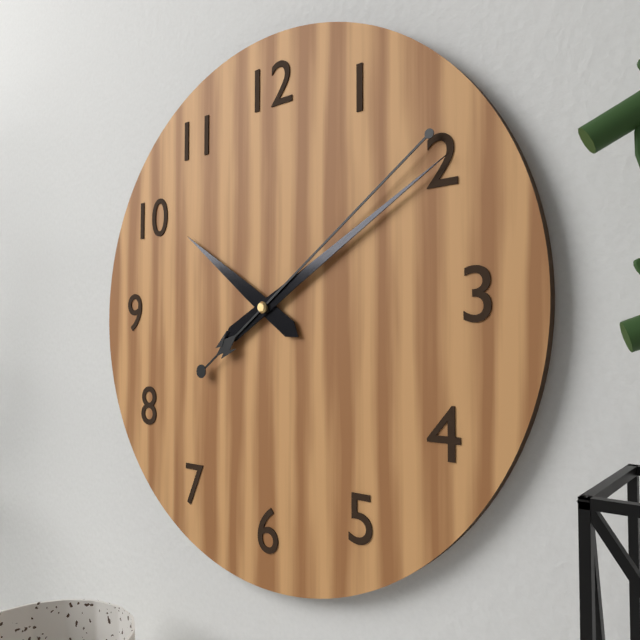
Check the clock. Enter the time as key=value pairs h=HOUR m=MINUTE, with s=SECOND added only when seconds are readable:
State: h=10 m=10 s=9
